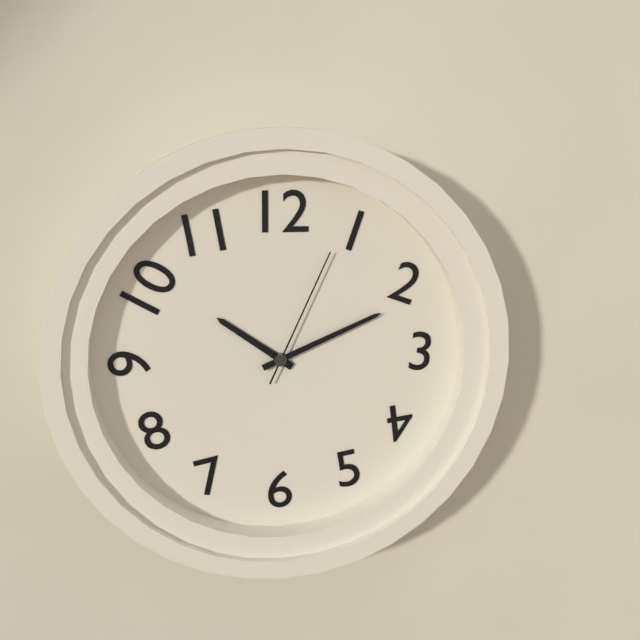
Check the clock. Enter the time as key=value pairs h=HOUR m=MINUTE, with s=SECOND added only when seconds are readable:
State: h=10 m=11 s=4
